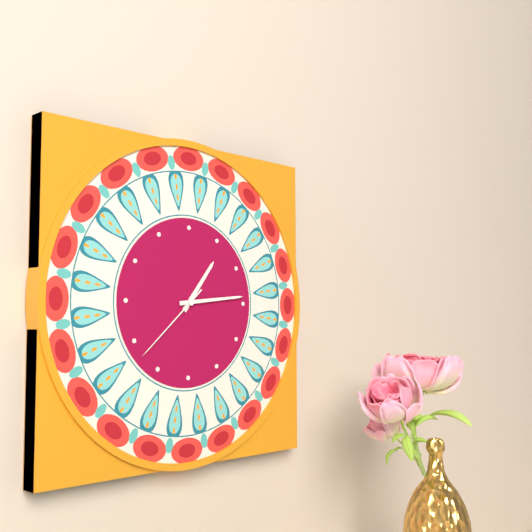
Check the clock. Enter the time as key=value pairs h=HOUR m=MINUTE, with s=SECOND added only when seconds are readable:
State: h=1 m=14 s=38
